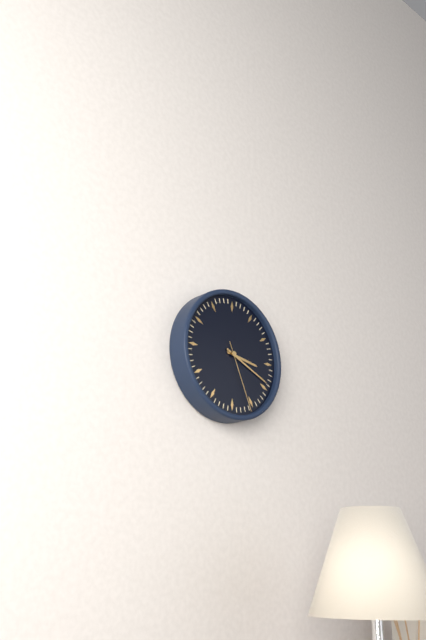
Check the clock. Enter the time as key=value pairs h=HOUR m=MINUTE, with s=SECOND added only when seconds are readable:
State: h=3 m=19 s=26
